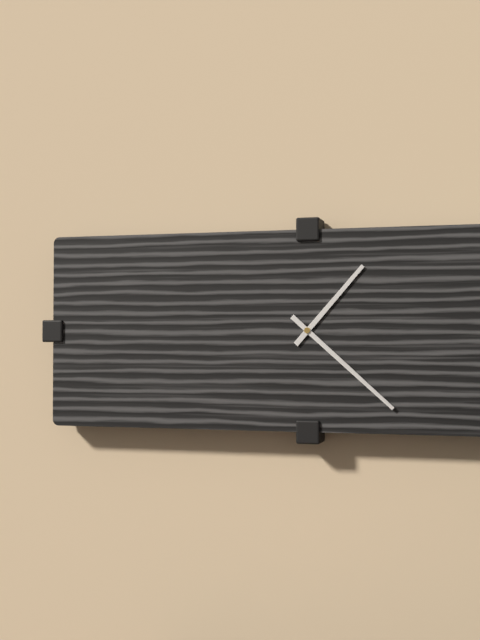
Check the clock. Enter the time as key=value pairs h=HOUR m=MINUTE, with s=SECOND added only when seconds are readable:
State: h=1 m=22
